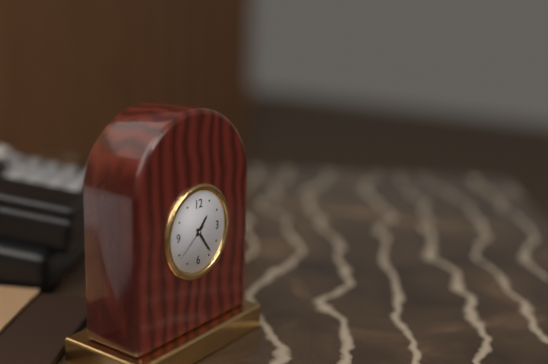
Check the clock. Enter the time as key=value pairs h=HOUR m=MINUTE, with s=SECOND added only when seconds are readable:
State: h=1 m=24
